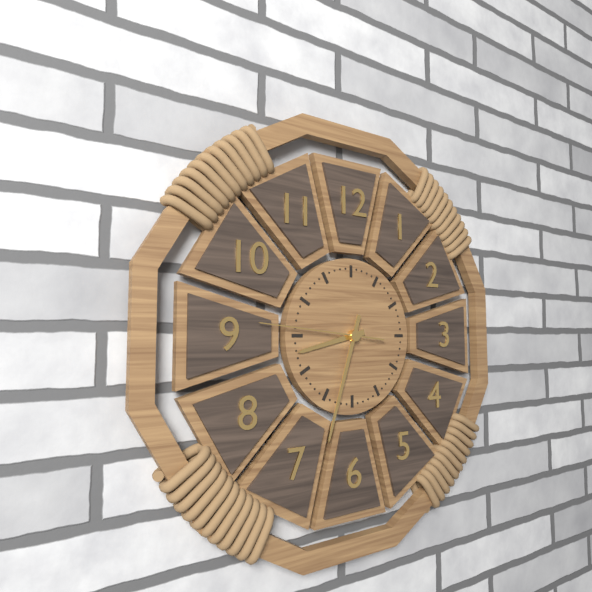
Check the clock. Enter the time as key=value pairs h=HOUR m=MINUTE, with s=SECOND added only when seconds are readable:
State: h=8 m=33 s=46
